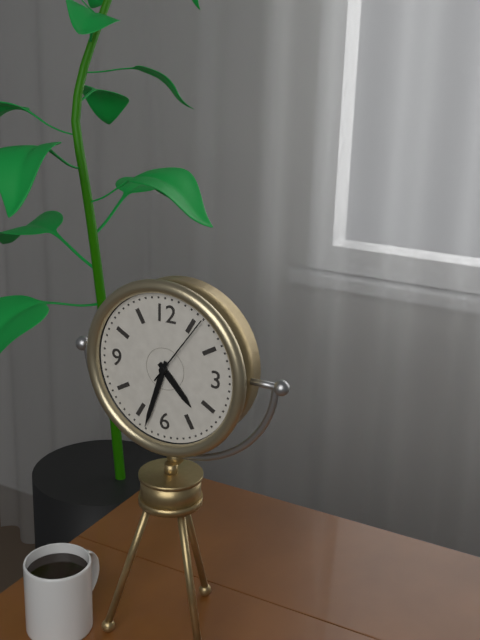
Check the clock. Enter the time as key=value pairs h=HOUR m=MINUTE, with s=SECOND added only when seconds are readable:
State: h=4 m=33 s=6
